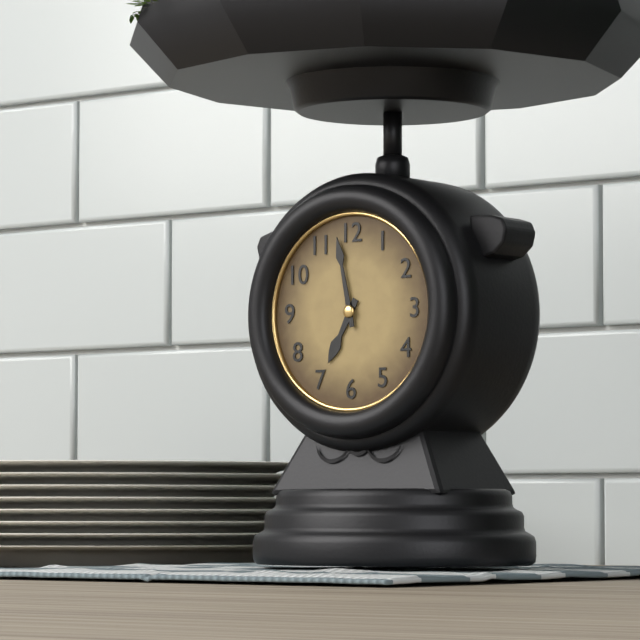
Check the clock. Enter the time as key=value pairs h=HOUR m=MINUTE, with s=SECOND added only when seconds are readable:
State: h=6 m=58
